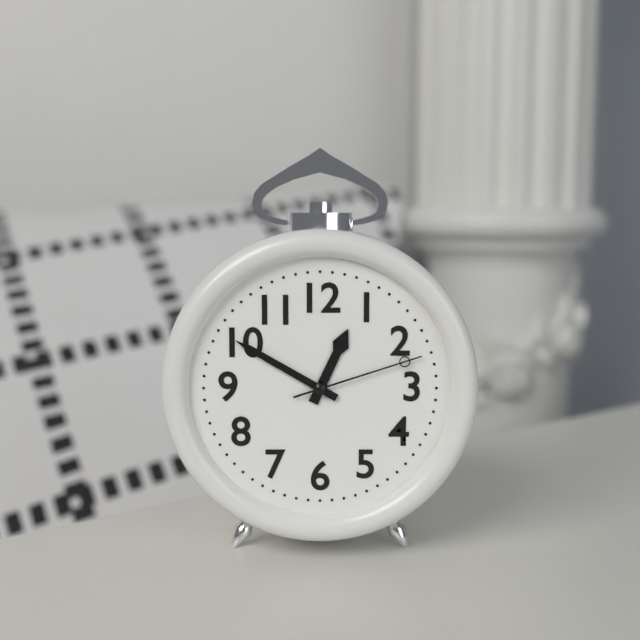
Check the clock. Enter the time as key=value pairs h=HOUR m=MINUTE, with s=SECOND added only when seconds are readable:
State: h=12 m=50 s=12
